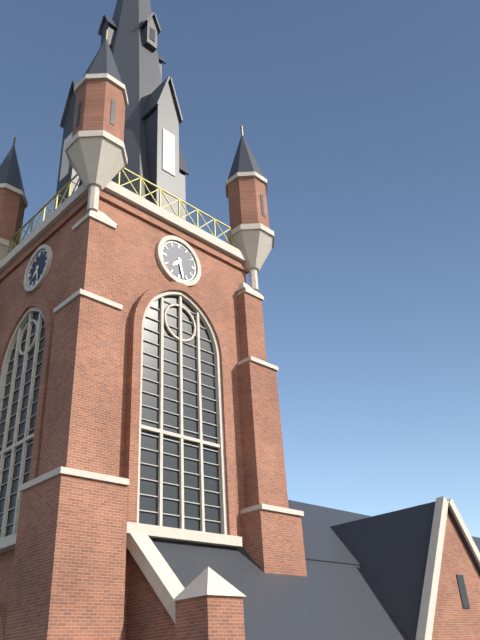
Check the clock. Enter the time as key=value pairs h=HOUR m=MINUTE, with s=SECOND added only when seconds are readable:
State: h=7 m=28
